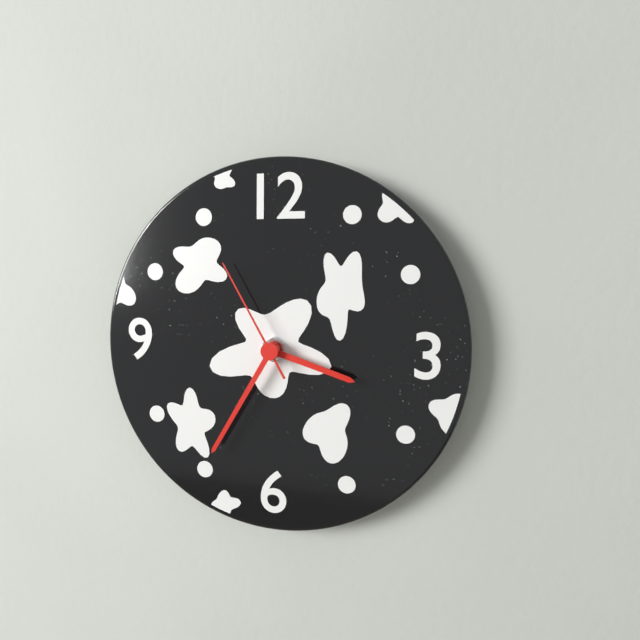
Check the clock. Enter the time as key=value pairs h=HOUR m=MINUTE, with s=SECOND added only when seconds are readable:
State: h=3 m=35 s=55
